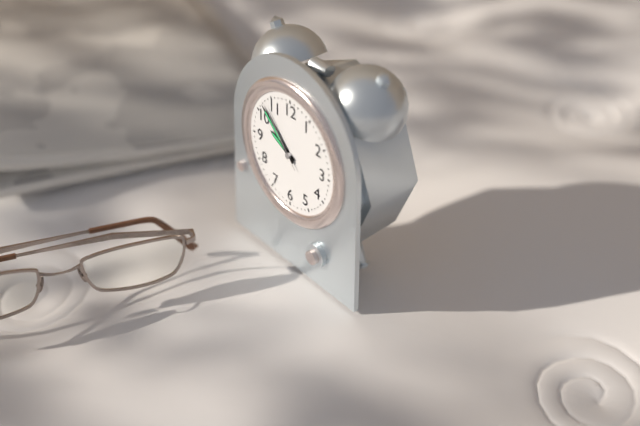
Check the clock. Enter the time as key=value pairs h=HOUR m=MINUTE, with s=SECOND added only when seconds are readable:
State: h=9 m=52 s=53
